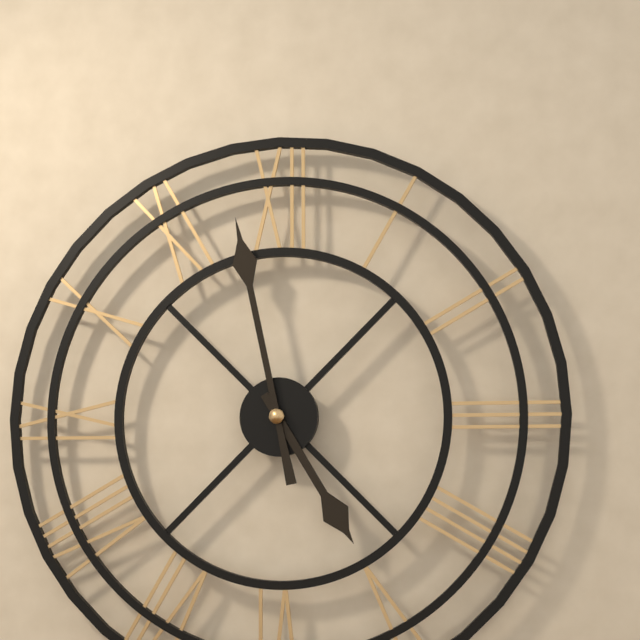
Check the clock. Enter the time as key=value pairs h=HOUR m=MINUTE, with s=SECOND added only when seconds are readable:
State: h=4 m=58
